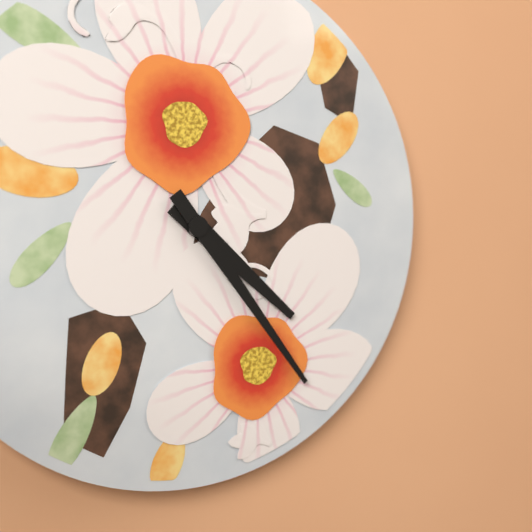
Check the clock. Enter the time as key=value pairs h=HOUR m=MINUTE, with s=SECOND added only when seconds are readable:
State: h=4 m=24
